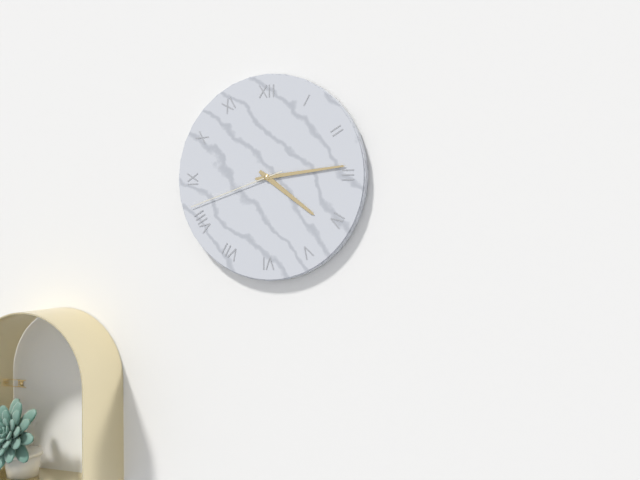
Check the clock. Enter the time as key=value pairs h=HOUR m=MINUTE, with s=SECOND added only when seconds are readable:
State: h=4 m=14 s=42
